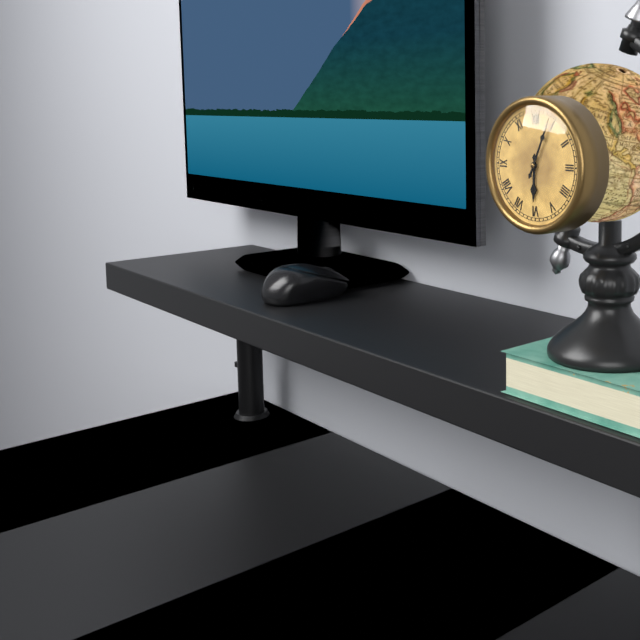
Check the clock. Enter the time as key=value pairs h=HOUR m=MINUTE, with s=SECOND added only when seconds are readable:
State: h=6 m=4
